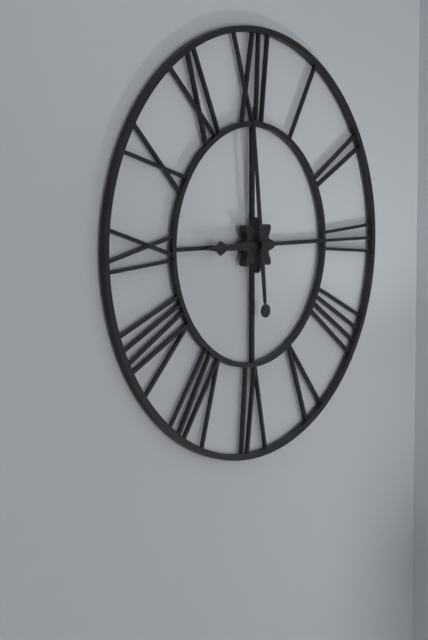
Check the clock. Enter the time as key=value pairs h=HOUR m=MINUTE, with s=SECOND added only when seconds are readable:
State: h=8 m=59
